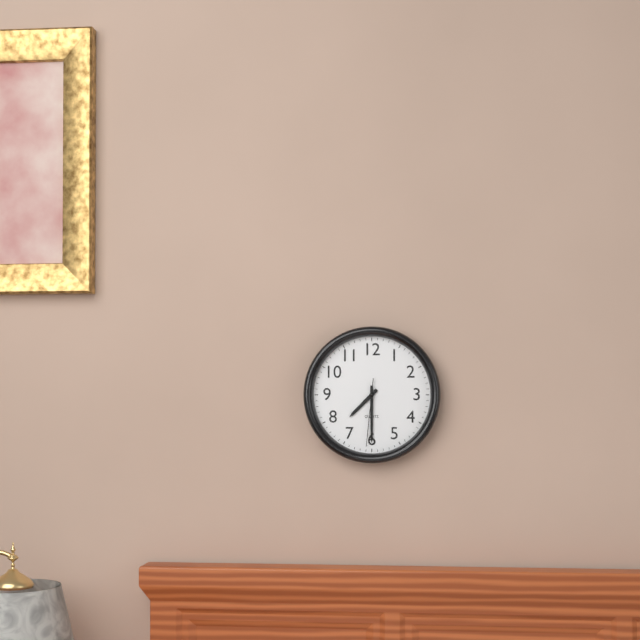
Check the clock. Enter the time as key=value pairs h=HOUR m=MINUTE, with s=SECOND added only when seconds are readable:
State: h=7 m=30 s=31
